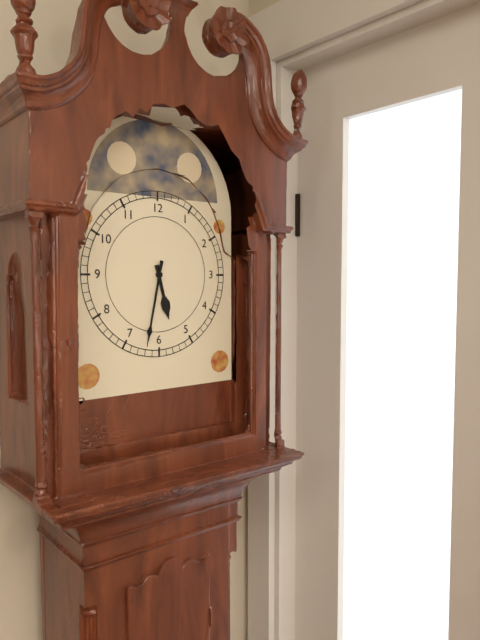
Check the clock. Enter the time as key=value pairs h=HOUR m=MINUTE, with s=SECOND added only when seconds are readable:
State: h=5 m=32
